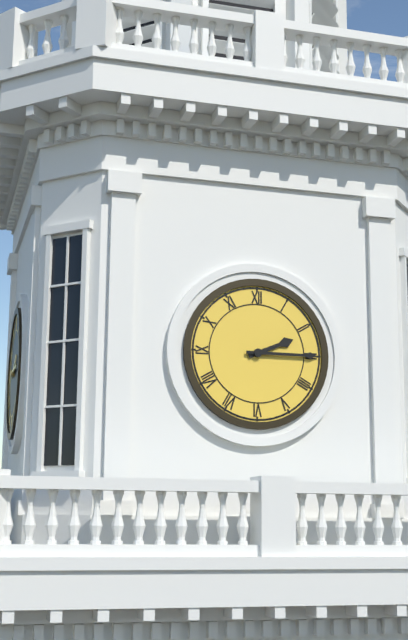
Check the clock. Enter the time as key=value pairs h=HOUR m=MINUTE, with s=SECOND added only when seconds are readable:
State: h=2 m=15
